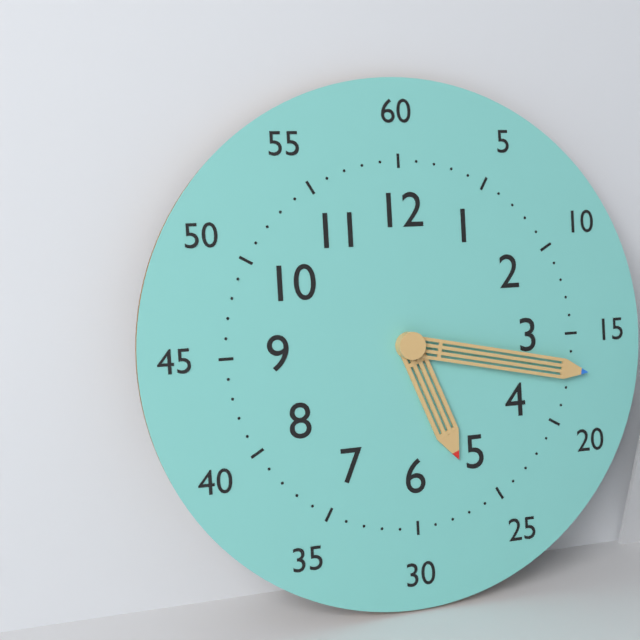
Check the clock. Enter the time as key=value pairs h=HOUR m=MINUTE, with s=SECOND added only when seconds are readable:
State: h=5 m=17
